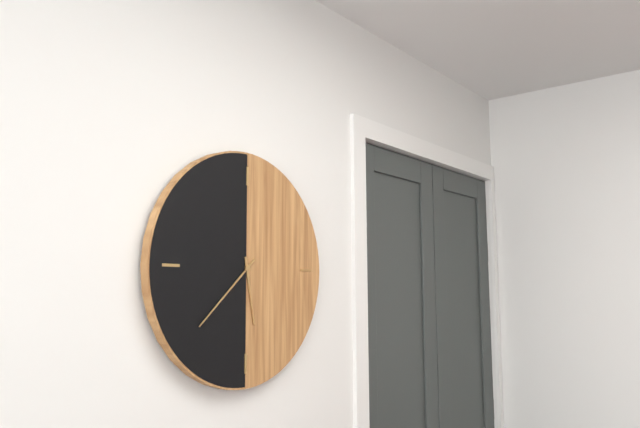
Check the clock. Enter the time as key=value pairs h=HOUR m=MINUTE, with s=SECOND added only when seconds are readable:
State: h=5 m=38
